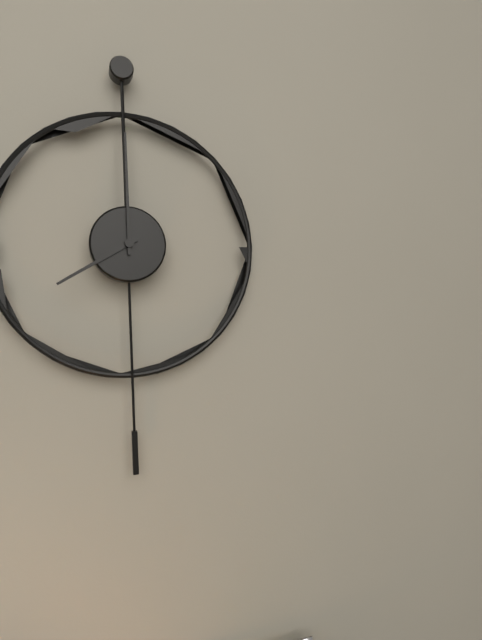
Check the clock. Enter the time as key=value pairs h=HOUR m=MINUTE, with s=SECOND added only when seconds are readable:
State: h=8 m=0
